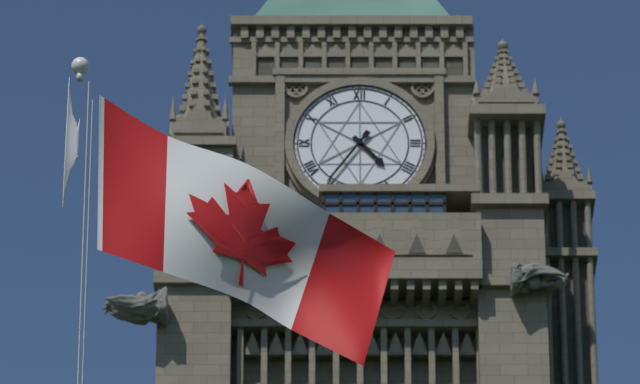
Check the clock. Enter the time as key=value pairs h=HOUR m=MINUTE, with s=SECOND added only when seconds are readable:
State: h=4 m=36
